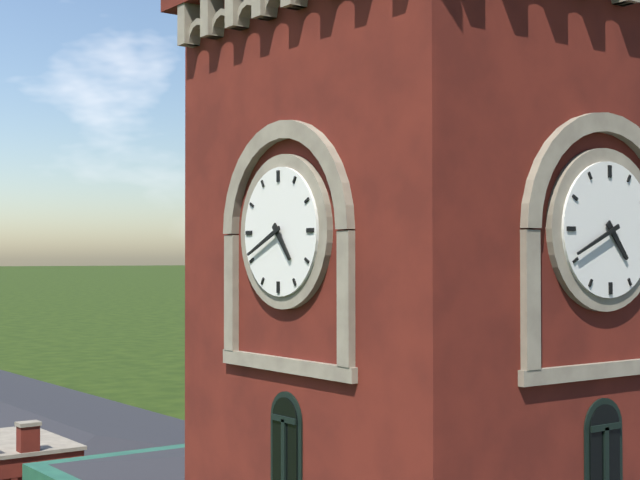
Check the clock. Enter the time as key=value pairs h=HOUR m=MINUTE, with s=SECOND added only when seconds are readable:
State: h=4 m=41
